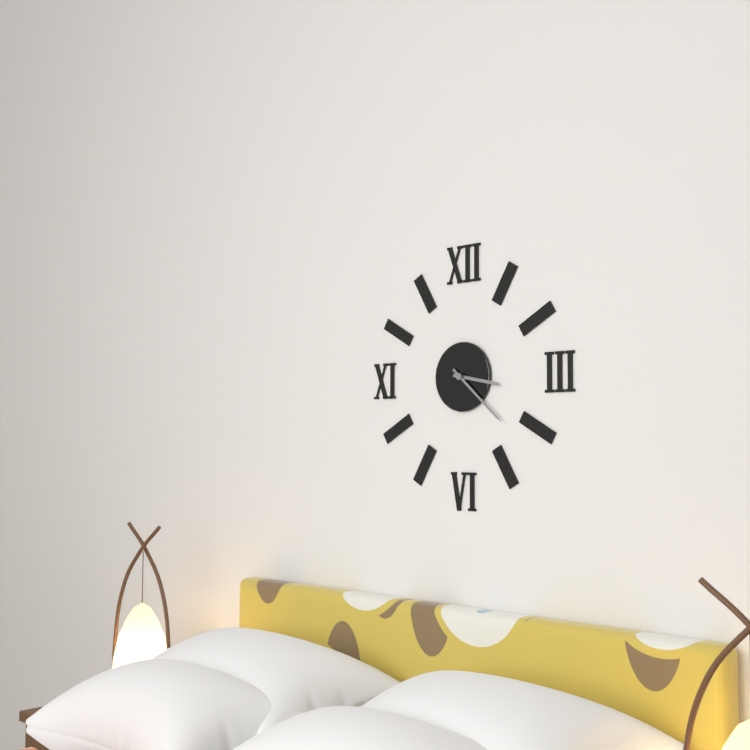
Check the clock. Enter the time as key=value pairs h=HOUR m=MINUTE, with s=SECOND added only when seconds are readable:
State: h=3 m=22
